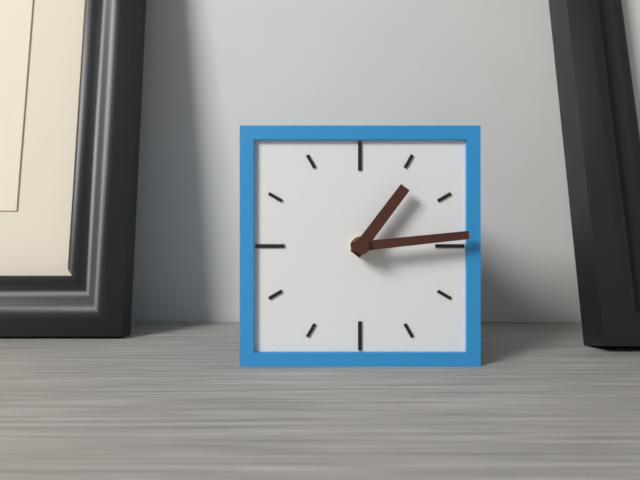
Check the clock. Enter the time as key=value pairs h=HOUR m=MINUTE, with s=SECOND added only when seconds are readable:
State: h=1 m=14
